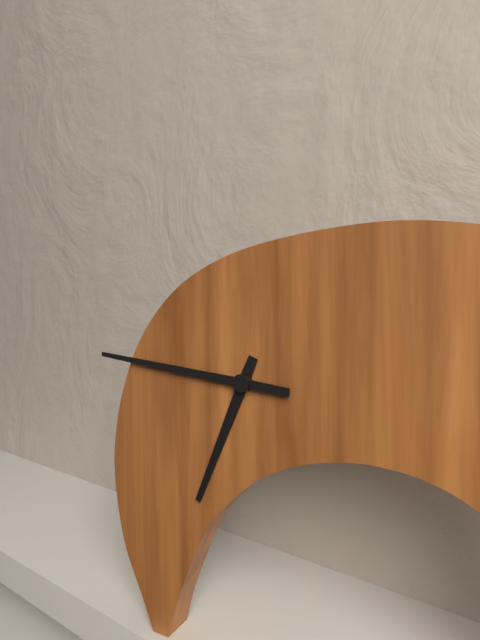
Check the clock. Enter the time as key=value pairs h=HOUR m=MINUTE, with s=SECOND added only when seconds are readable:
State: h=6 m=46
